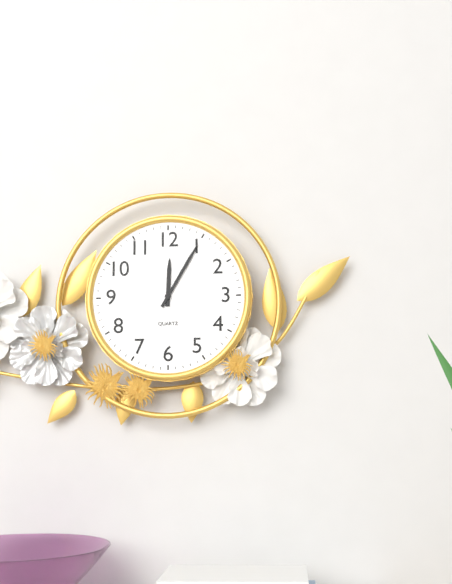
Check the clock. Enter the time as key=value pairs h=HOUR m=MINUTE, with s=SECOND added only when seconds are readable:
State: h=12 m=5
